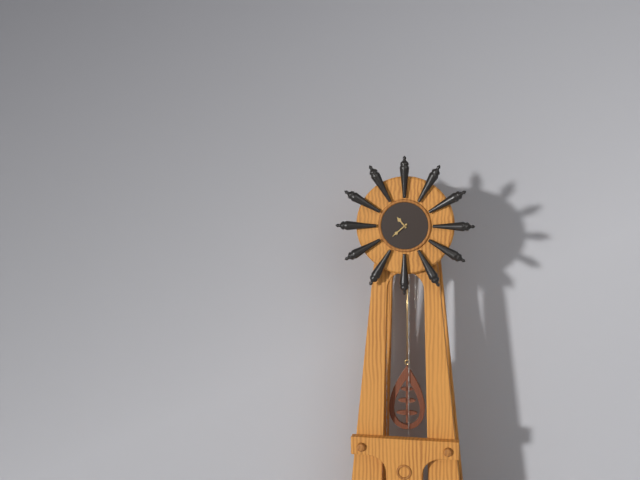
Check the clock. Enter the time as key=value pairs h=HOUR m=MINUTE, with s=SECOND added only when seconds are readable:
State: h=10 m=38
